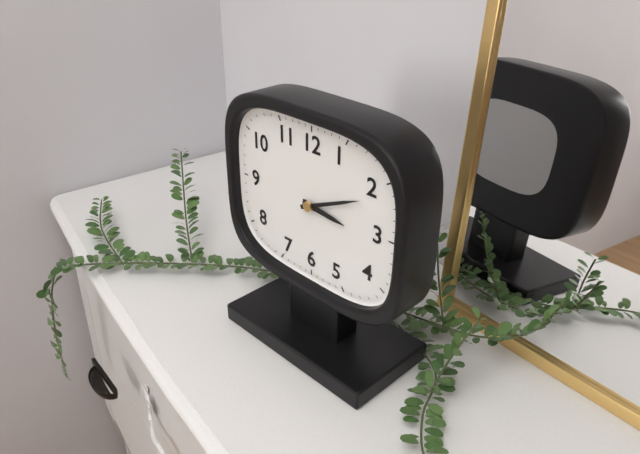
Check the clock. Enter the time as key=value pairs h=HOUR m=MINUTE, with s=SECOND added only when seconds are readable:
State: h=3 m=11
